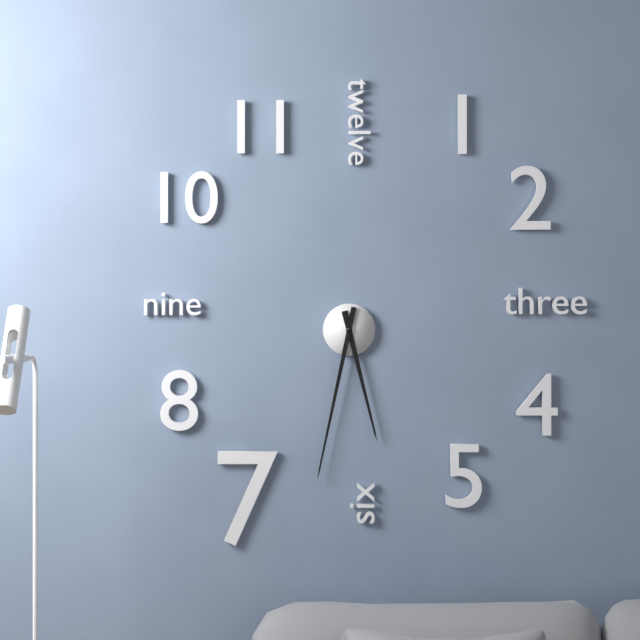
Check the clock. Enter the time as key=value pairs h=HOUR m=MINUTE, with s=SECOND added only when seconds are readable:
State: h=5 m=32
